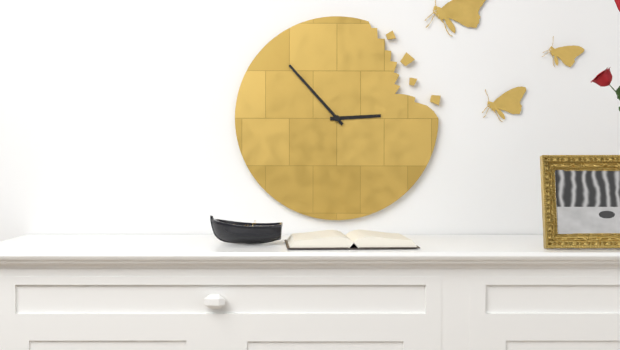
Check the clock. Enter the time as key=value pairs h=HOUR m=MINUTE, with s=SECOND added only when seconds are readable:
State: h=2 m=53
